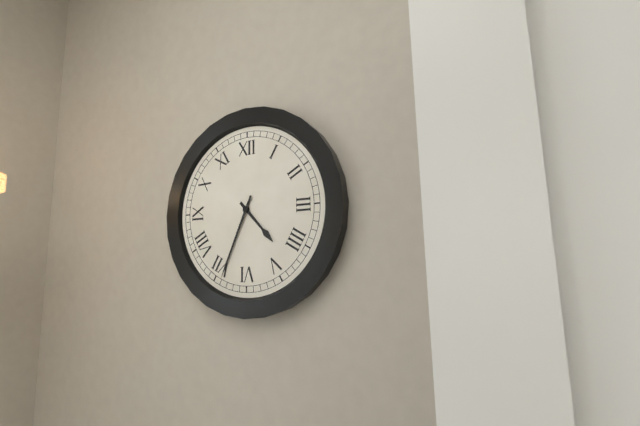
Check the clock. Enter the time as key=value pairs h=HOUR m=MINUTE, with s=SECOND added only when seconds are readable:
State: h=4 m=34
